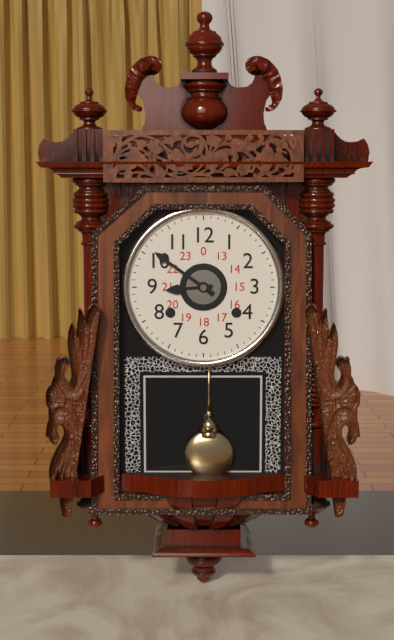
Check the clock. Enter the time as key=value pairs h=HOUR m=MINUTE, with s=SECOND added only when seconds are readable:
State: h=8 m=51
